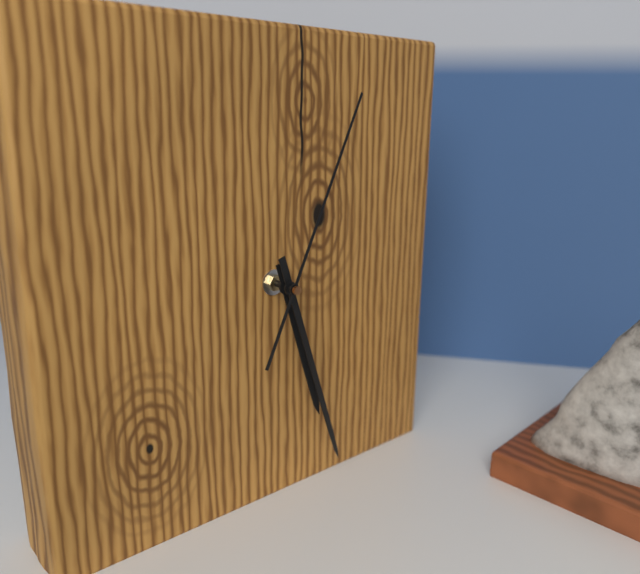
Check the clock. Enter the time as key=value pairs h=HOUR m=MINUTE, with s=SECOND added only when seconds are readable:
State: h=5 m=27 s=4
